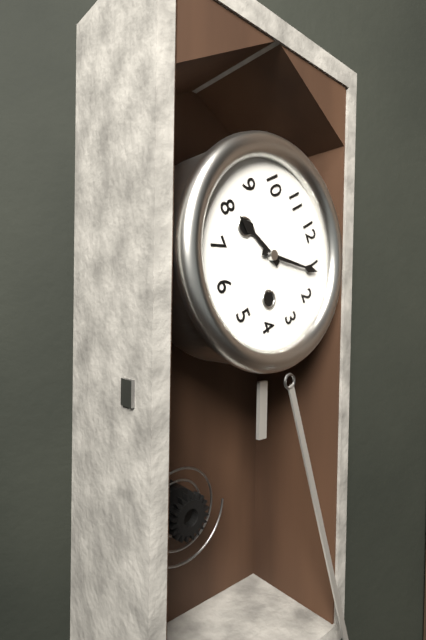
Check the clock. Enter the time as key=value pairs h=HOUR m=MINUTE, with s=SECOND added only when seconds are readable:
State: h=8 m=6
